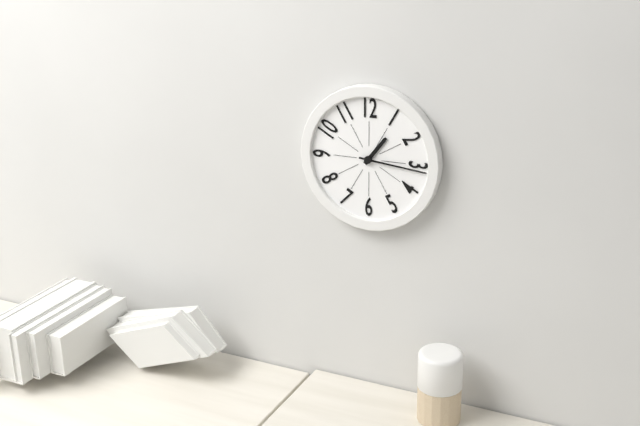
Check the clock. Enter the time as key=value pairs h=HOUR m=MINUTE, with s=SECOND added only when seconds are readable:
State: h=1 m=16
